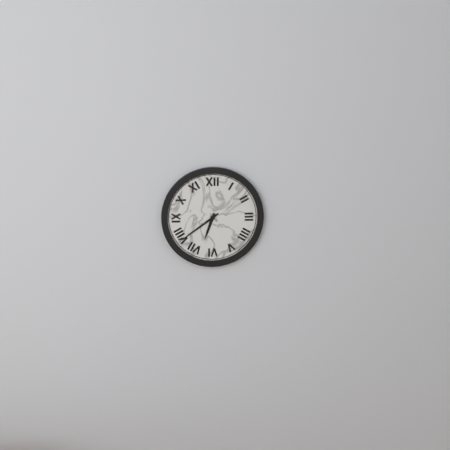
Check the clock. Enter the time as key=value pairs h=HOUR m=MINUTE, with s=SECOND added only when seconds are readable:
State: h=6 m=39
